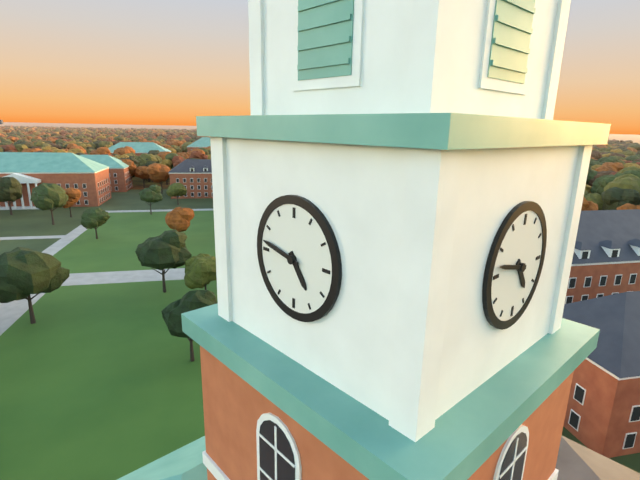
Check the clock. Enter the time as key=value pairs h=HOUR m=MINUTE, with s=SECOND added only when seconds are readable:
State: h=4 m=47
